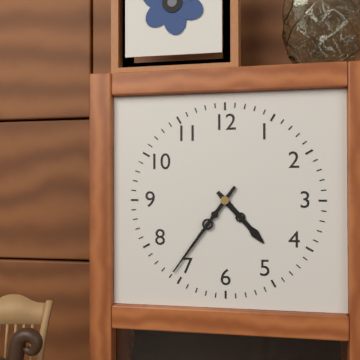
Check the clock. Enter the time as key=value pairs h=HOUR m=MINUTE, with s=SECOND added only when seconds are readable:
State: h=4 m=36
